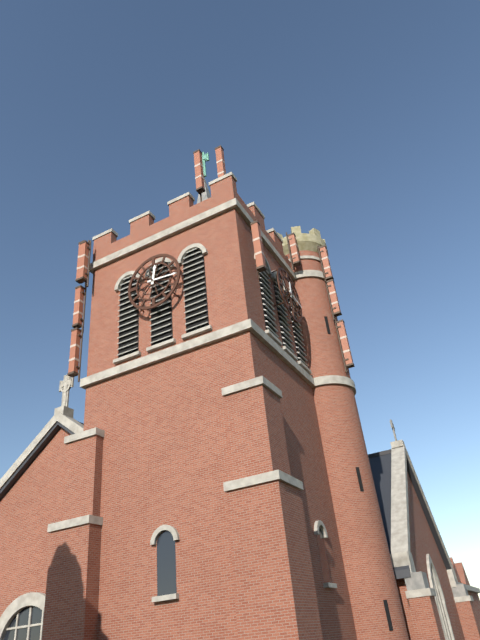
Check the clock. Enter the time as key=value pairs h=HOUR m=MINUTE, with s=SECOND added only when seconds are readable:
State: h=12 m=16
